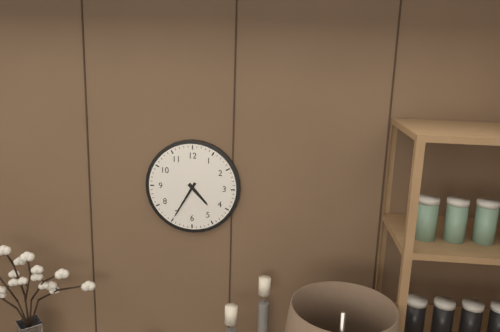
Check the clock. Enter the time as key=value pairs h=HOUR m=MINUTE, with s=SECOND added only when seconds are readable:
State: h=4 m=35
